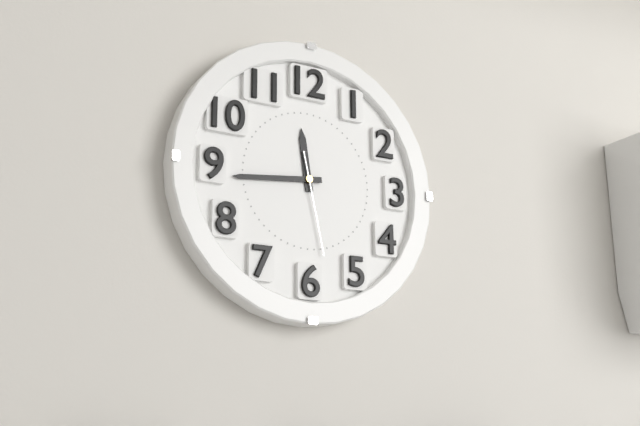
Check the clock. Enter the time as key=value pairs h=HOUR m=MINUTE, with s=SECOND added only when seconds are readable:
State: h=11 m=44 s=28
